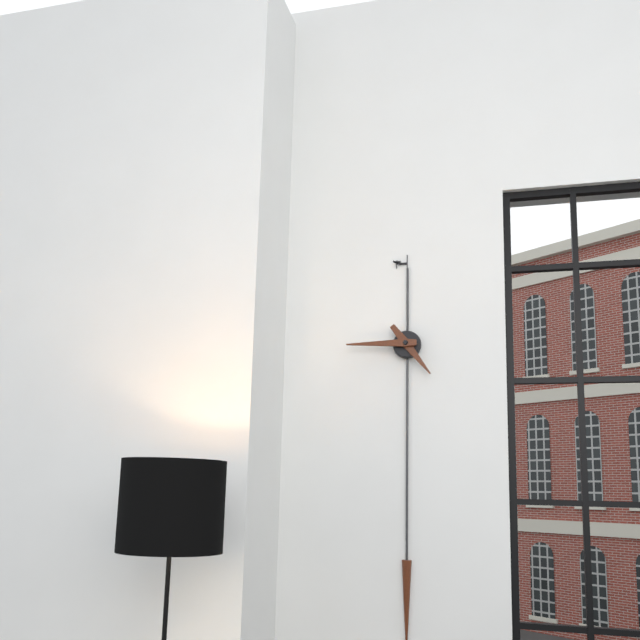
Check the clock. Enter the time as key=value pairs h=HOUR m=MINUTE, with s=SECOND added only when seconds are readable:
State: h=4 m=45
